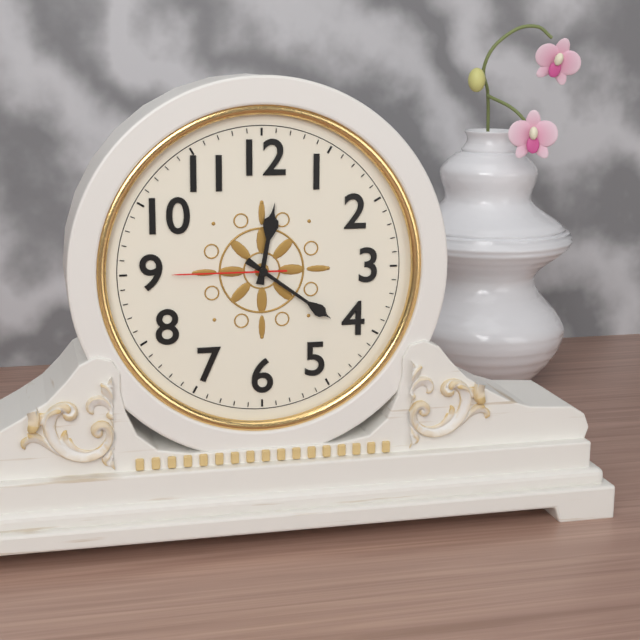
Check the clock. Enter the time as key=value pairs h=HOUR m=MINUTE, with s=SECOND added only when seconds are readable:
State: h=12 m=21 s=45
